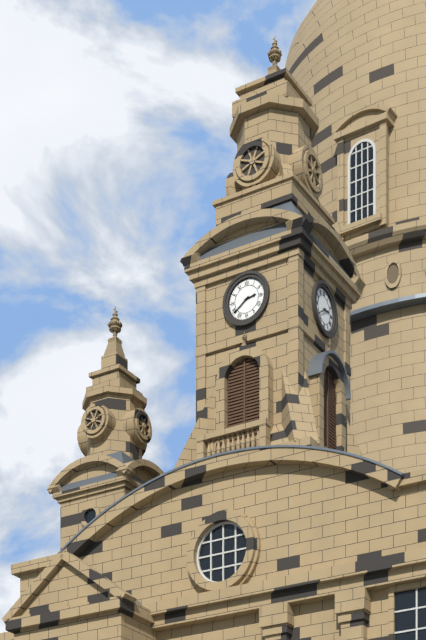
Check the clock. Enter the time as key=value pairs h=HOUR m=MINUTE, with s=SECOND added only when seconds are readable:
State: h=2 m=39
